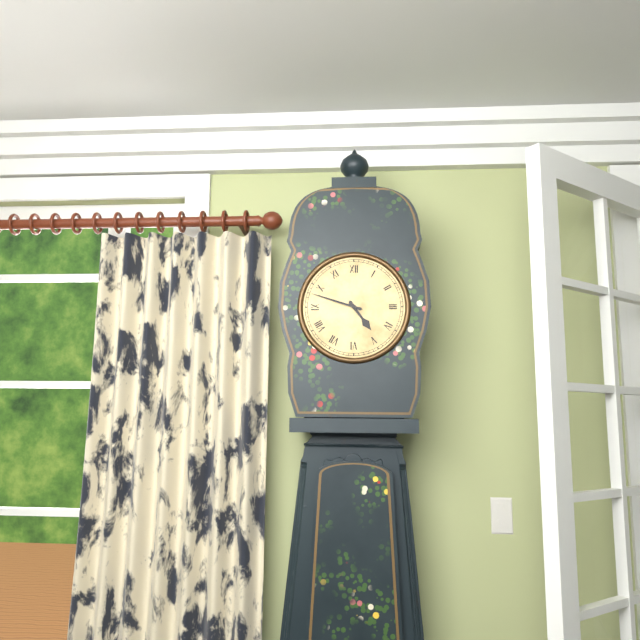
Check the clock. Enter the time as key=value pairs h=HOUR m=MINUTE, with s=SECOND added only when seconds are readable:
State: h=4 m=48
